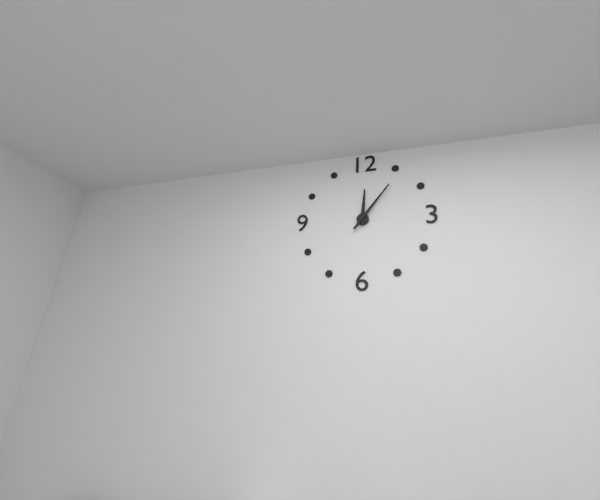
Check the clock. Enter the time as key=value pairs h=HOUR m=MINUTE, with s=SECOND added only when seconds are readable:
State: h=12 m=6
